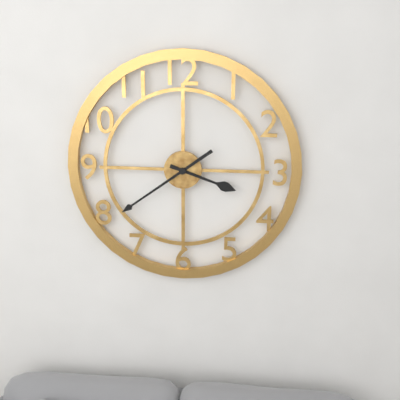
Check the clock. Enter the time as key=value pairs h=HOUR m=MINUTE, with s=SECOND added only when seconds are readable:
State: h=3 m=39
